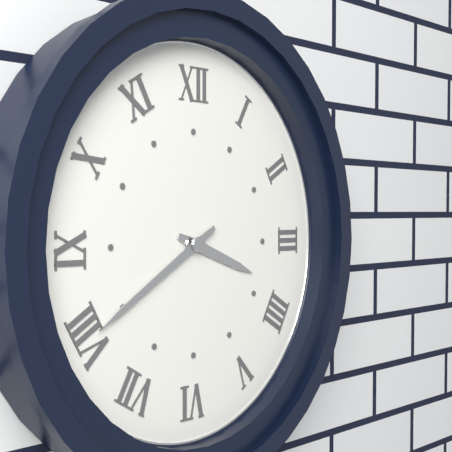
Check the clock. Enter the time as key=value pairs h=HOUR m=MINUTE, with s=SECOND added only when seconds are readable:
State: h=3 m=40
